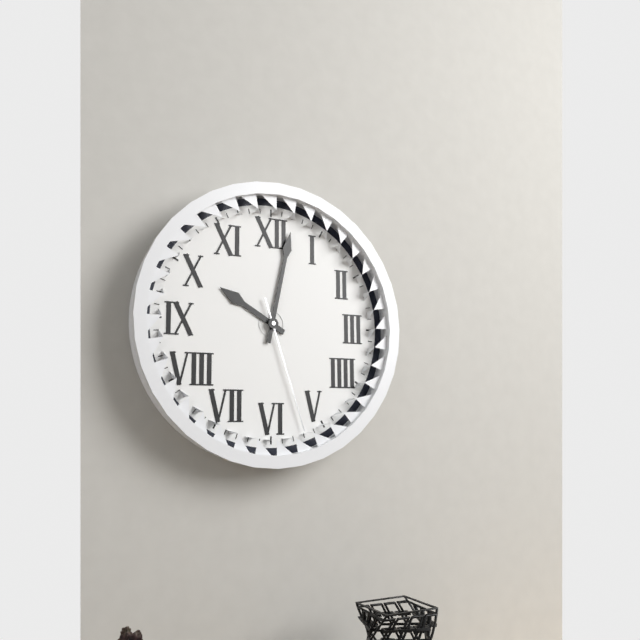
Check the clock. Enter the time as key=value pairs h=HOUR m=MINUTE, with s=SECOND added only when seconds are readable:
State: h=10 m=2 s=27
